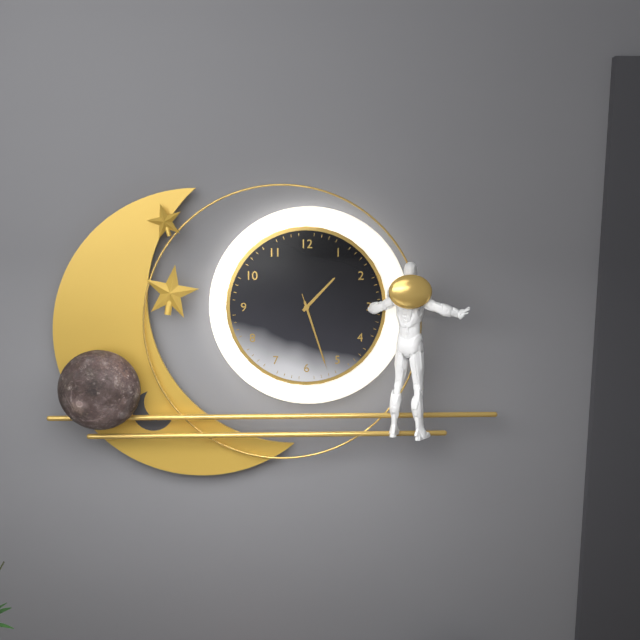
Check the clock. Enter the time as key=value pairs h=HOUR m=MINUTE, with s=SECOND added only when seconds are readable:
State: h=1 m=27 s=27
